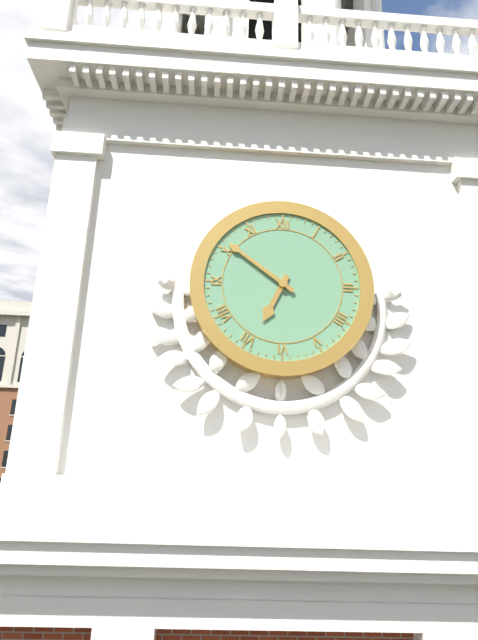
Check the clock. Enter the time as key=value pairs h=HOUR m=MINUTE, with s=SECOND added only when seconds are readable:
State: h=6 m=51
